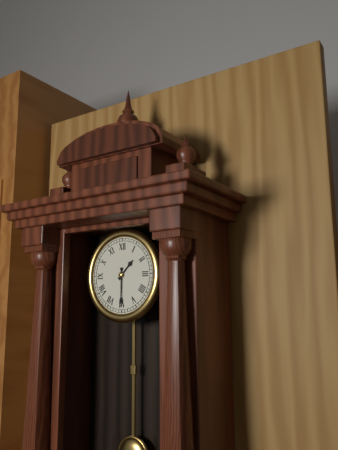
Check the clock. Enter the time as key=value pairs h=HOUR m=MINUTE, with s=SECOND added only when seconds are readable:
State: h=1 m=30
